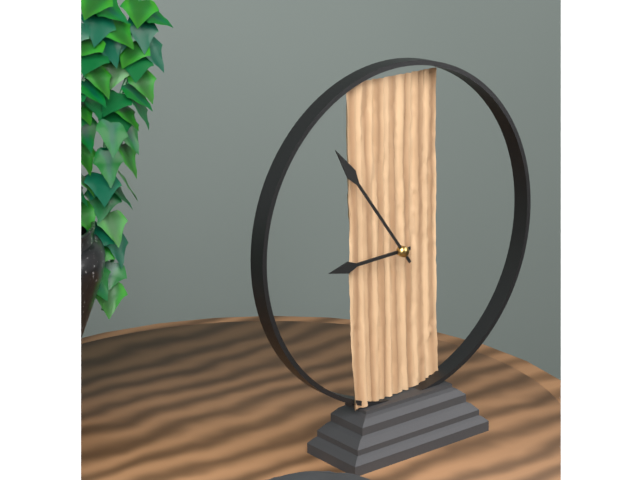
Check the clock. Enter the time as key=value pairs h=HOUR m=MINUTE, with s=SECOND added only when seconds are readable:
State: h=8 m=54
